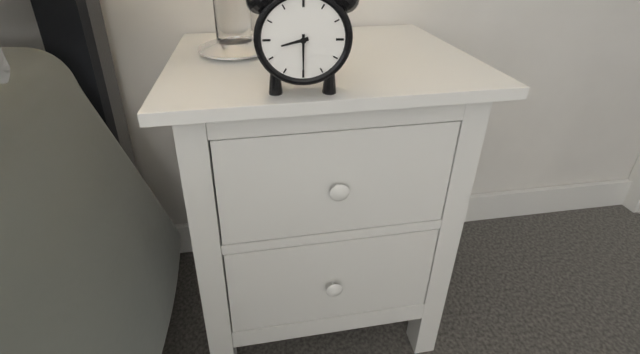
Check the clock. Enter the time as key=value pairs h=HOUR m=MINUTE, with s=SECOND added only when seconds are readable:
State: h=8 m=30
